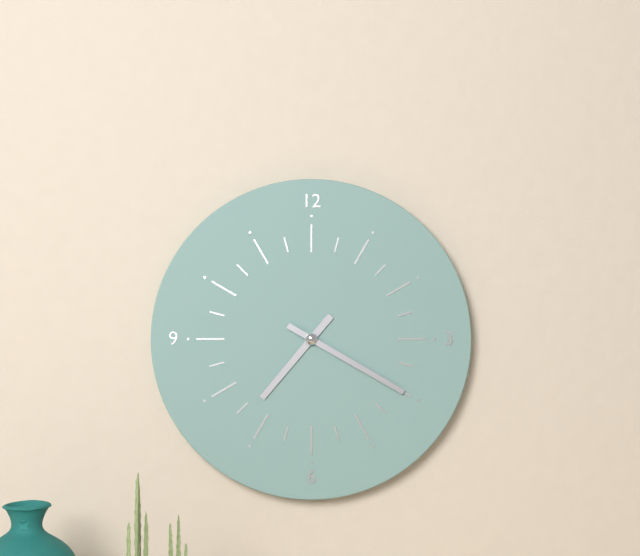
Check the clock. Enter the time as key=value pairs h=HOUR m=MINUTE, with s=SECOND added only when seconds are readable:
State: h=7 m=20
